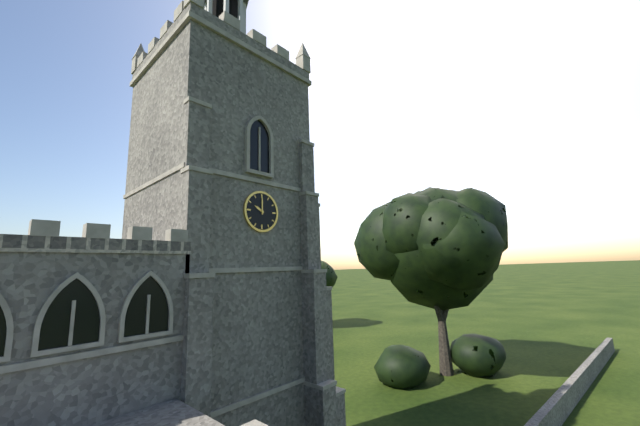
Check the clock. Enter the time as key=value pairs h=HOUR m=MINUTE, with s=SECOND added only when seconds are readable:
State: h=10 m=0
